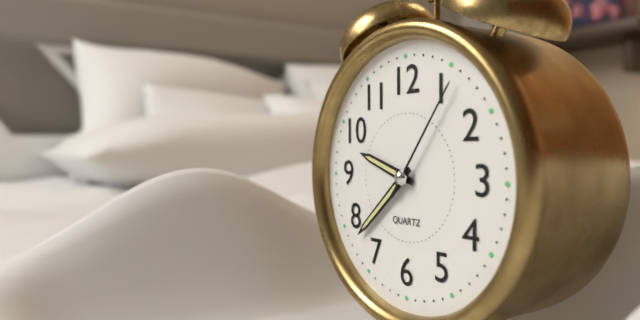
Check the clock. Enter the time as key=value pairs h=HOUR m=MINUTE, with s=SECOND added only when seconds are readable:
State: h=9 m=38 s=6
